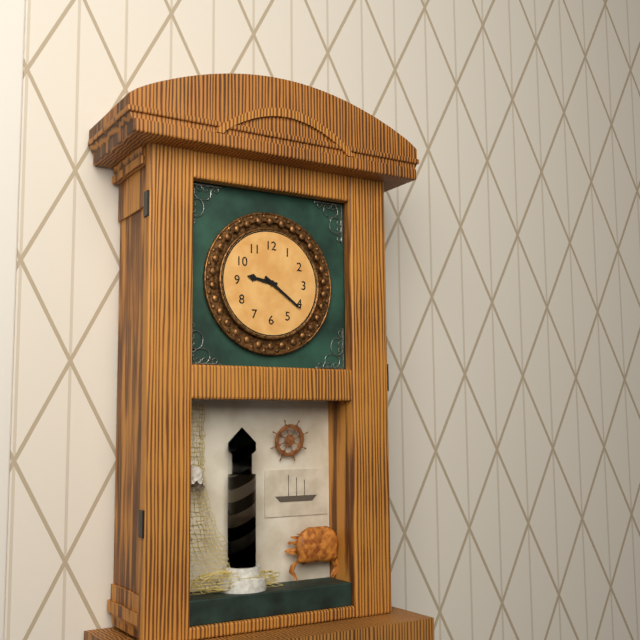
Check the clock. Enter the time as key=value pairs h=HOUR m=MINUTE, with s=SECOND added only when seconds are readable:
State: h=9 m=21
